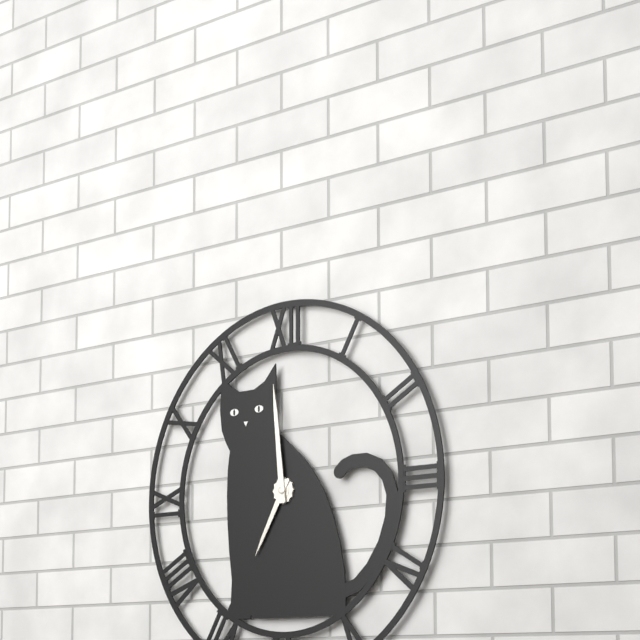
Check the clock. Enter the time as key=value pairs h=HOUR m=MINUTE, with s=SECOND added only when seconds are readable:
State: h=6 m=59
